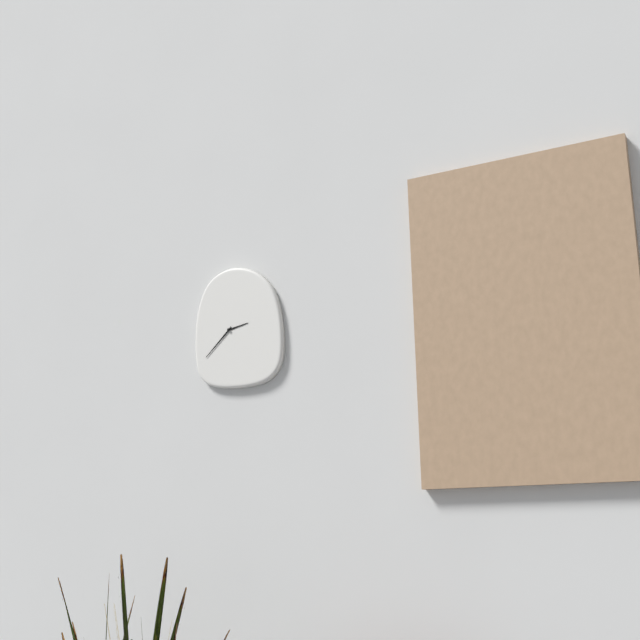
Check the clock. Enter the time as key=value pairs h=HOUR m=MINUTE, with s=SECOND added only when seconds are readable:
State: h=2 m=38
